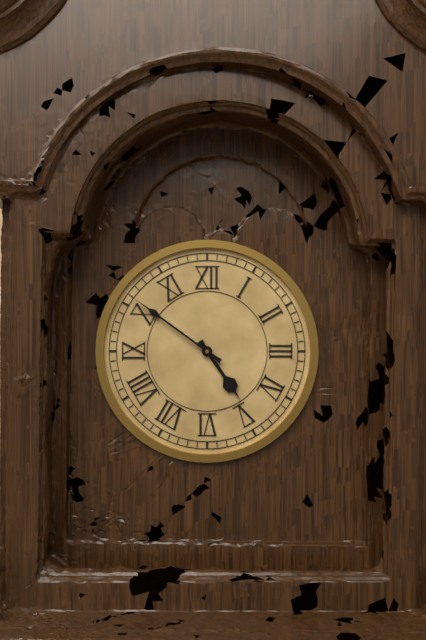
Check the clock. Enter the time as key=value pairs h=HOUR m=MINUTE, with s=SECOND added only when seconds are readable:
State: h=4 m=51
